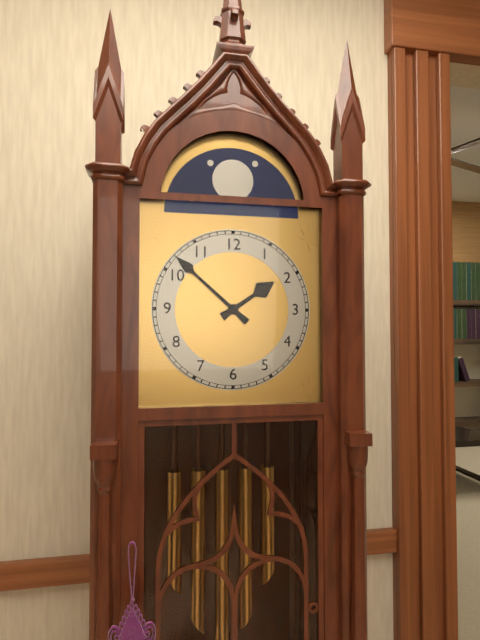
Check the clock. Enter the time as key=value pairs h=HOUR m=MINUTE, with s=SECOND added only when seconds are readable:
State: h=1 m=52
